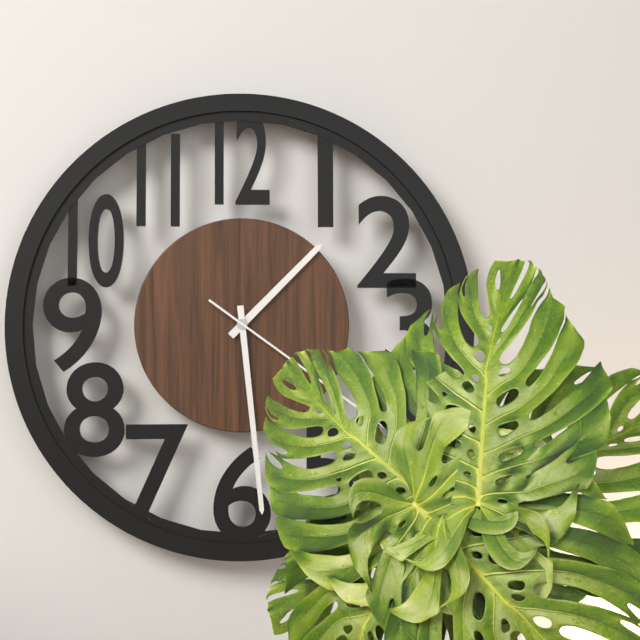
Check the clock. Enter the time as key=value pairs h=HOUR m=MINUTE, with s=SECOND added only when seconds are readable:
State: h=1 m=29
